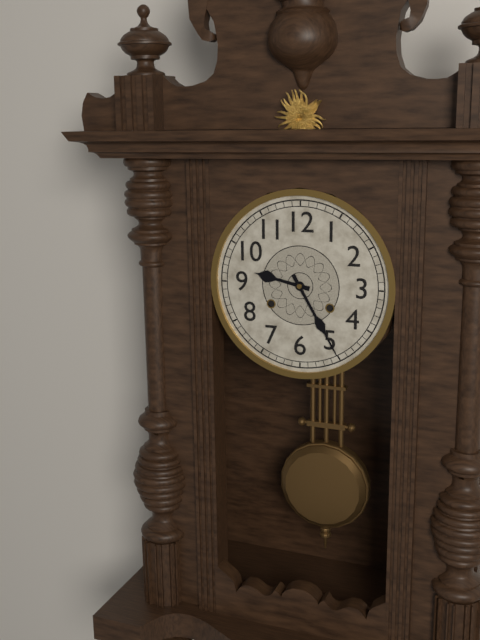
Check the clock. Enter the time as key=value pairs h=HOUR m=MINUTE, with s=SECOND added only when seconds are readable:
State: h=9 m=25
